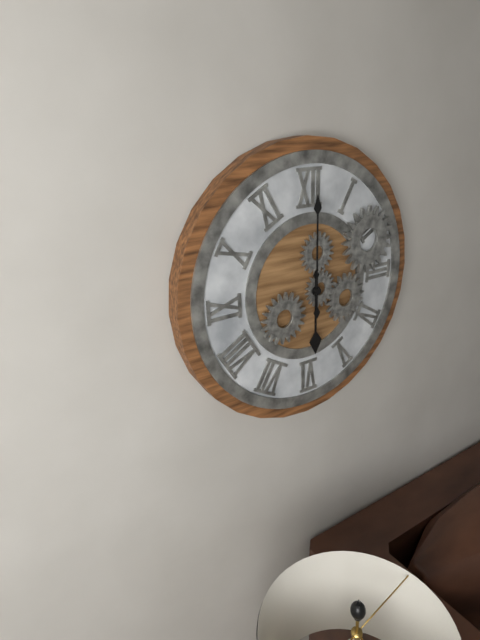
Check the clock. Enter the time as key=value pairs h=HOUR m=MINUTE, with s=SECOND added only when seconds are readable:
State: h=6 m=0
